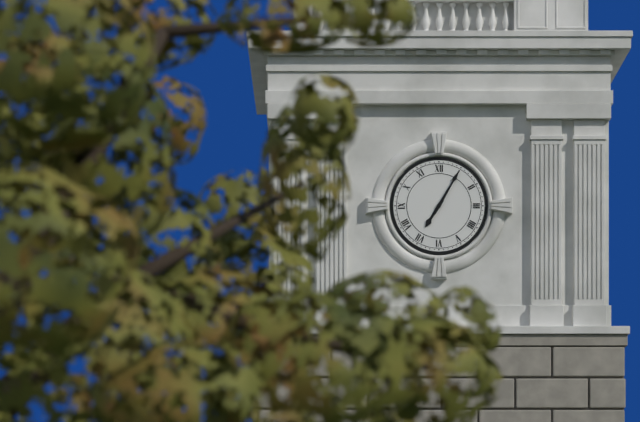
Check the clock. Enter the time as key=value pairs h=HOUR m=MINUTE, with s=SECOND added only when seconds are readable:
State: h=7 m=5
